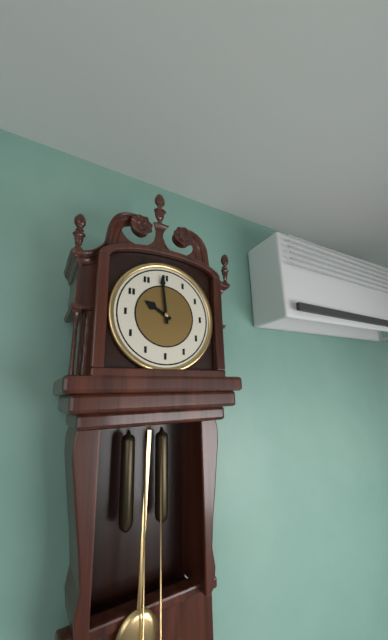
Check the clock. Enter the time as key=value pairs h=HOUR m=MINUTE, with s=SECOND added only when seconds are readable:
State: h=9 m=59
